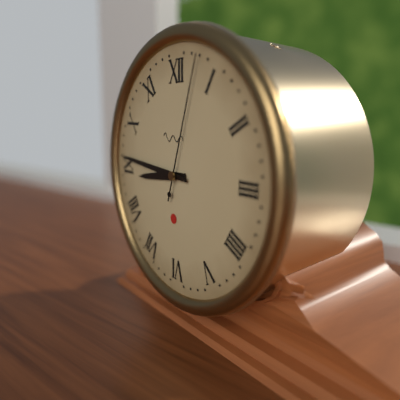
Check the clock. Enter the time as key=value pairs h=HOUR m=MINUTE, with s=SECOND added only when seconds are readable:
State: h=8 m=46 s=3
